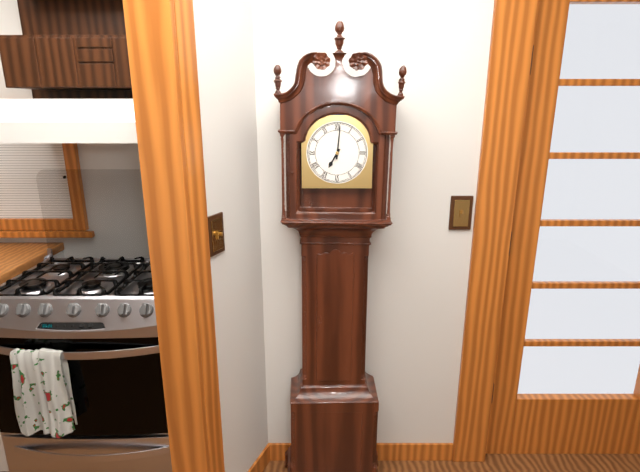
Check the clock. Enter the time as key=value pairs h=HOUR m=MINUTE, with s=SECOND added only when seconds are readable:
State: h=7 m=1
